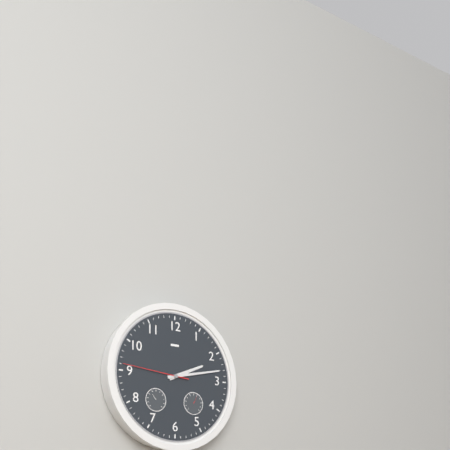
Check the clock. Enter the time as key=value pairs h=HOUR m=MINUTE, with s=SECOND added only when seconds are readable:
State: h=2 m=13 s=46
